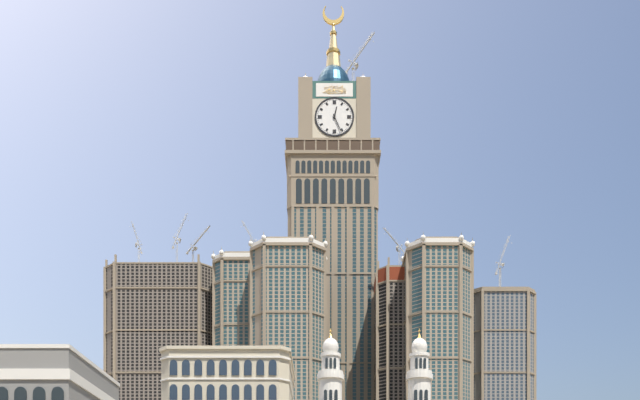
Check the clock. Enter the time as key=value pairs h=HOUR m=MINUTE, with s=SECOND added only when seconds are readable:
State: h=12 m=26
